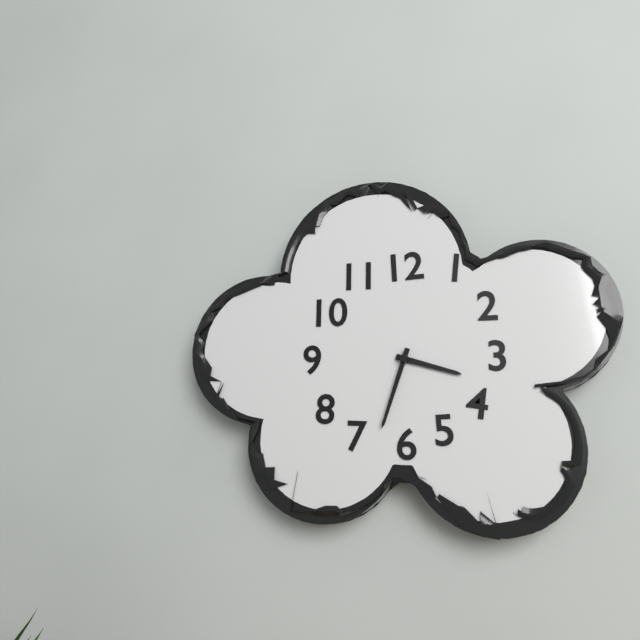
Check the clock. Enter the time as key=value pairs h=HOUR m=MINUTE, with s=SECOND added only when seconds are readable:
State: h=3 m=33
